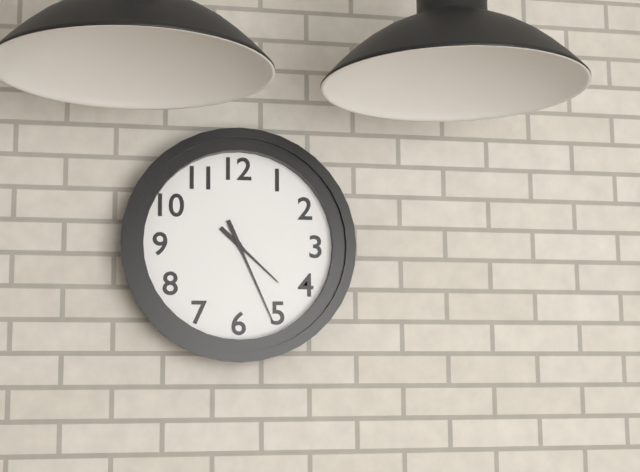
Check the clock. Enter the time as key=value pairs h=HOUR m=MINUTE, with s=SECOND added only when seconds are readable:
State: h=4 m=26
